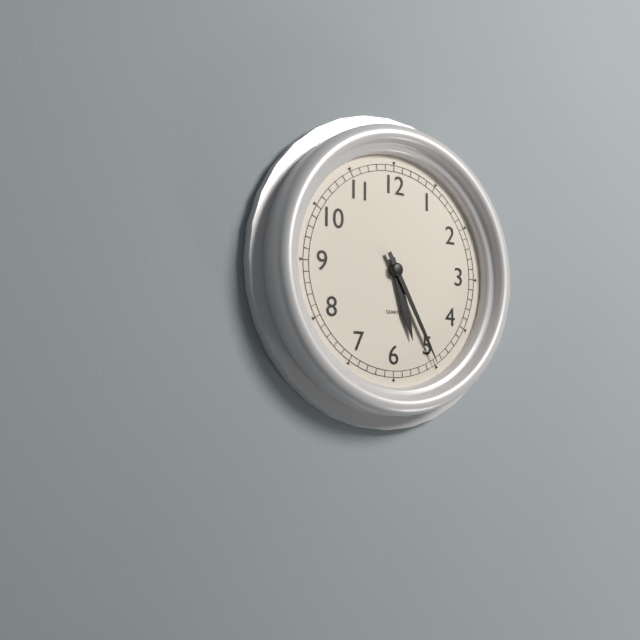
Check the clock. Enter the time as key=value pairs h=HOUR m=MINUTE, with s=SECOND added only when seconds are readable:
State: h=5 m=25
